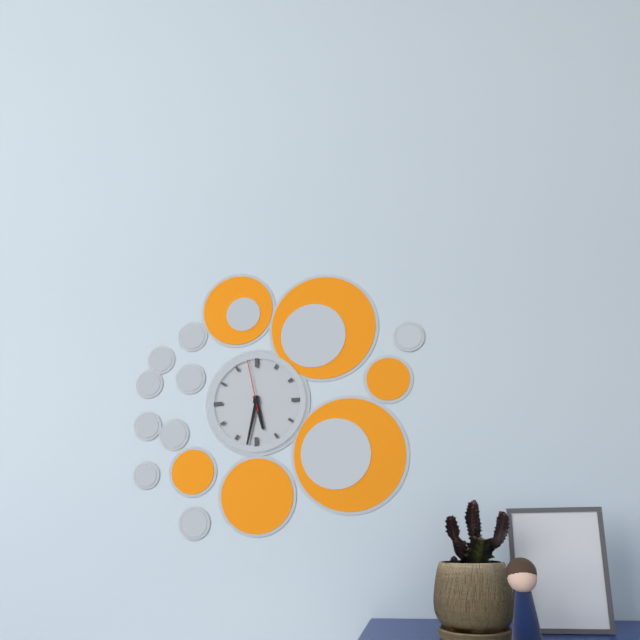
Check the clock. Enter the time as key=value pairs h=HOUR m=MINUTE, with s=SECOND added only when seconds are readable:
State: h=5 m=32 s=58
